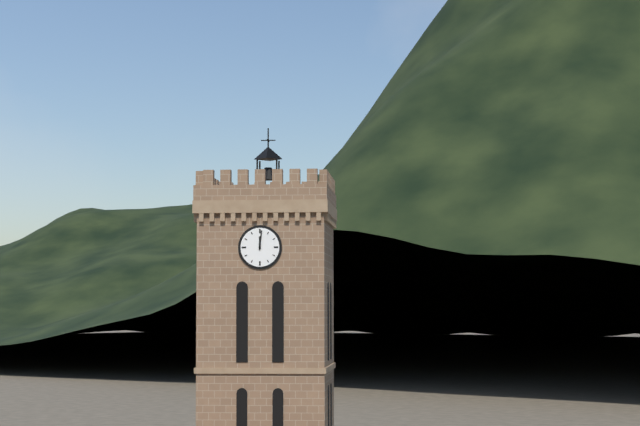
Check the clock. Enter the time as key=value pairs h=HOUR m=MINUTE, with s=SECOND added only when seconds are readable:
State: h=12 m=1
